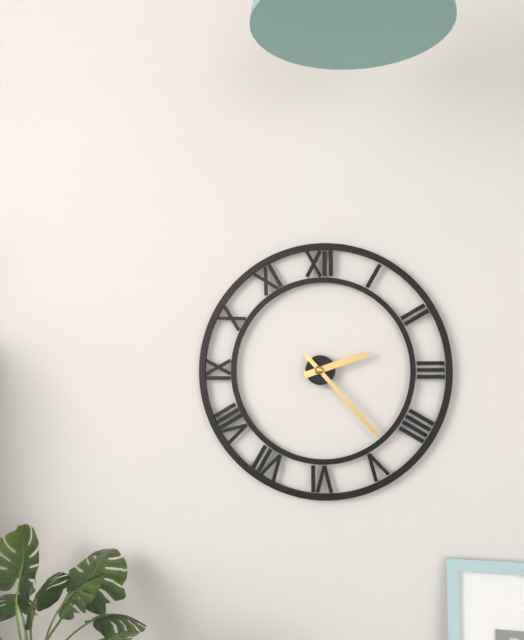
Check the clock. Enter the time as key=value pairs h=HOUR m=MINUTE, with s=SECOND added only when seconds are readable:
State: h=2 m=23
